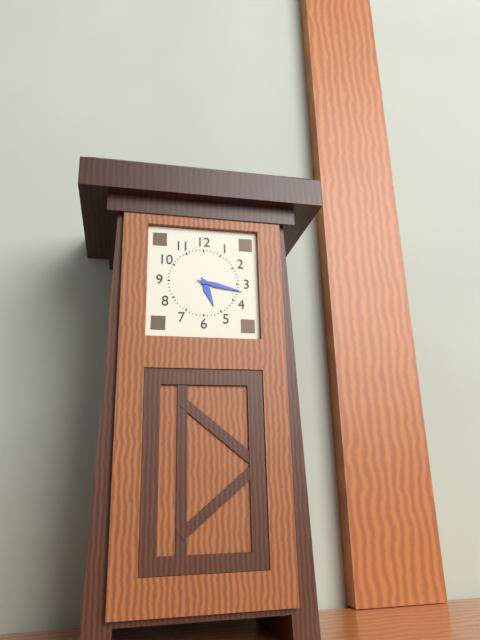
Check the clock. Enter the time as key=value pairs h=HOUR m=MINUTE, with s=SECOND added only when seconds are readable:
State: h=5 m=17
